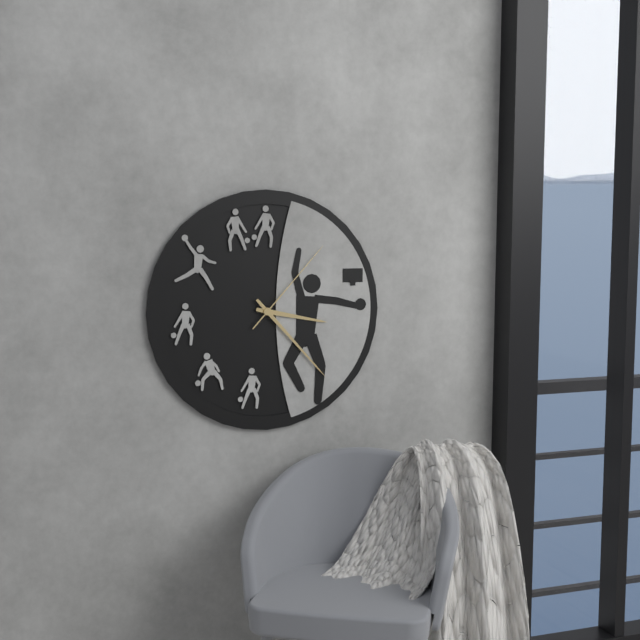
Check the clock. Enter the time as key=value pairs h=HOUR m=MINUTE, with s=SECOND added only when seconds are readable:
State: h=3 m=23 s=7
